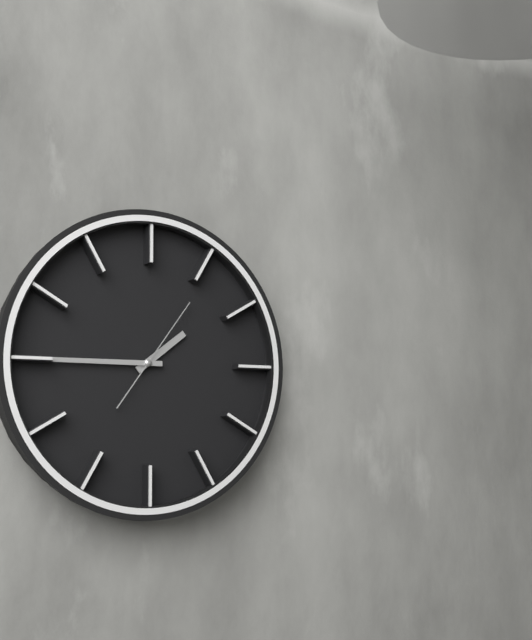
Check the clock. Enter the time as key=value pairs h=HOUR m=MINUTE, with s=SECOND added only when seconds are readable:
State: h=1 m=45 s=6
